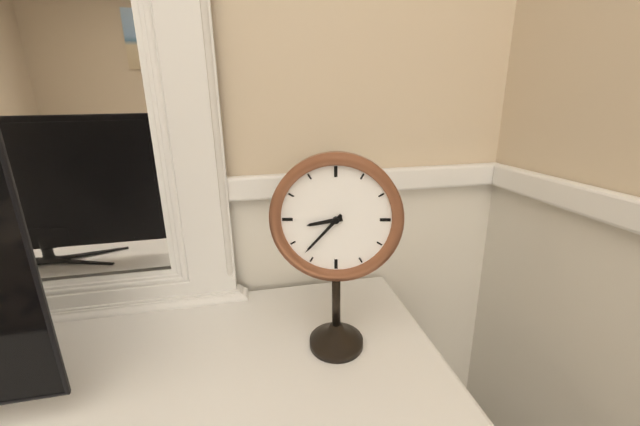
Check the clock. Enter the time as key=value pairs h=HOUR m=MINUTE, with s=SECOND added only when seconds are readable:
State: h=8 m=37
